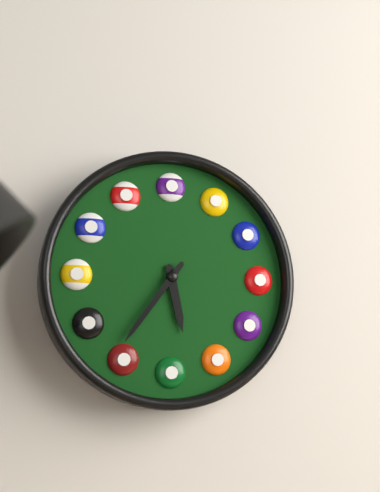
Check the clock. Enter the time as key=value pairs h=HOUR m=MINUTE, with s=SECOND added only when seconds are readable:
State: h=5 m=36
